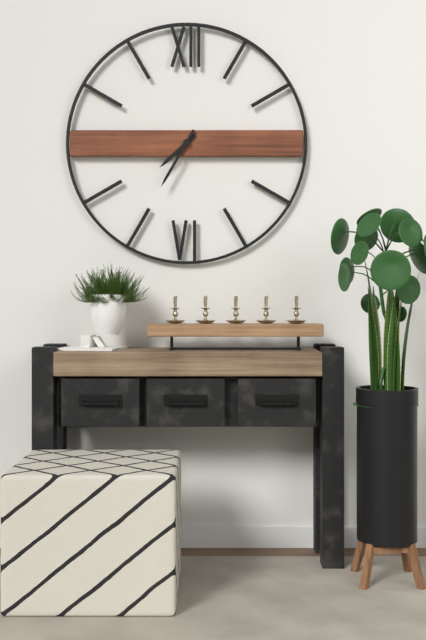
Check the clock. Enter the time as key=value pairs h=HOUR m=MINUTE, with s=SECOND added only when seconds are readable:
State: h=7 m=35
